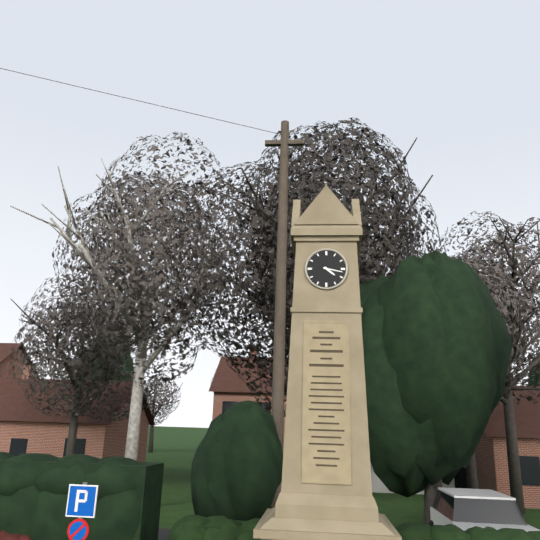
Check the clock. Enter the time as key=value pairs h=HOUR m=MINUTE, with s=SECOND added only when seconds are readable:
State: h=4 m=17
